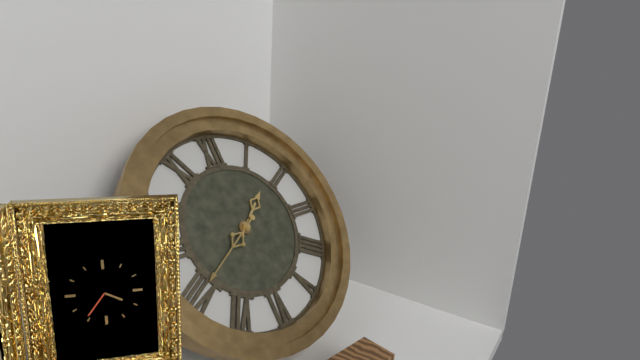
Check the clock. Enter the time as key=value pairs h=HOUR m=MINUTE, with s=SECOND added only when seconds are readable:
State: h=1 m=40
